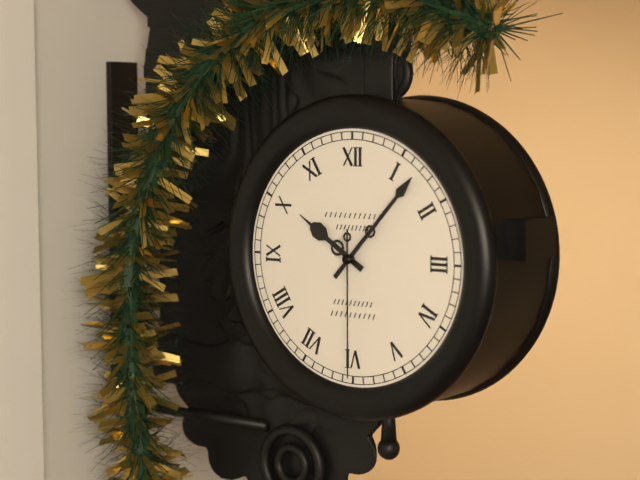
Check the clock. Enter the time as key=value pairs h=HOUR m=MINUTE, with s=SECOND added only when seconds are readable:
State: h=10 m=7 s=30
